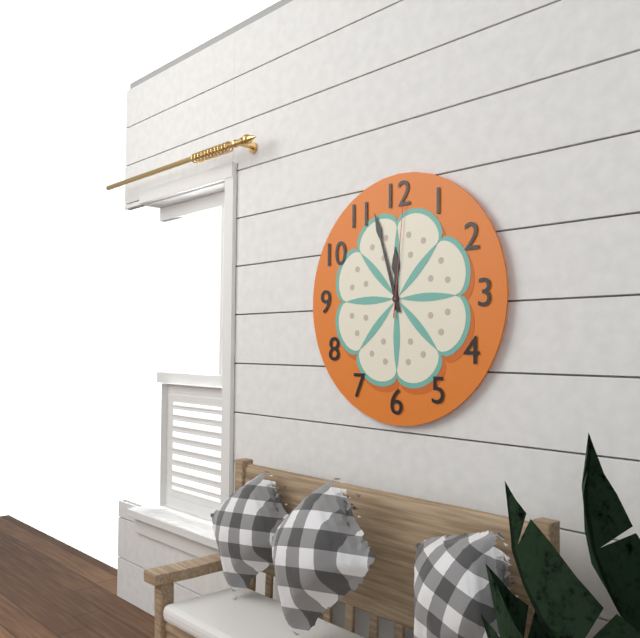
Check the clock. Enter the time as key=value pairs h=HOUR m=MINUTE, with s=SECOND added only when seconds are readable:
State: h=11 m=57 s=1
